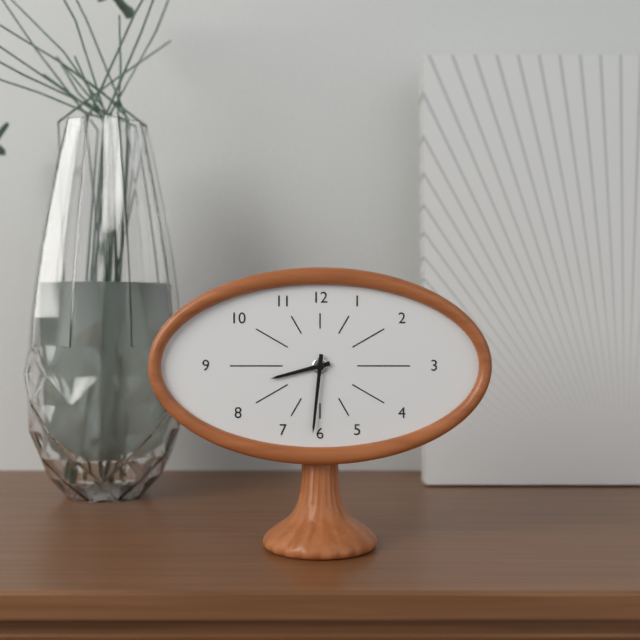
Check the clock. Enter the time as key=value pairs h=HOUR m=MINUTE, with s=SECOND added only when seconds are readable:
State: h=8 m=31
